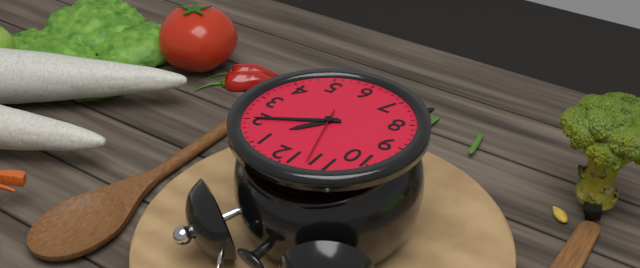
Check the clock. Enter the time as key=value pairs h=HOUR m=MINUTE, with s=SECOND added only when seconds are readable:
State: h=1 m=10 s=57
